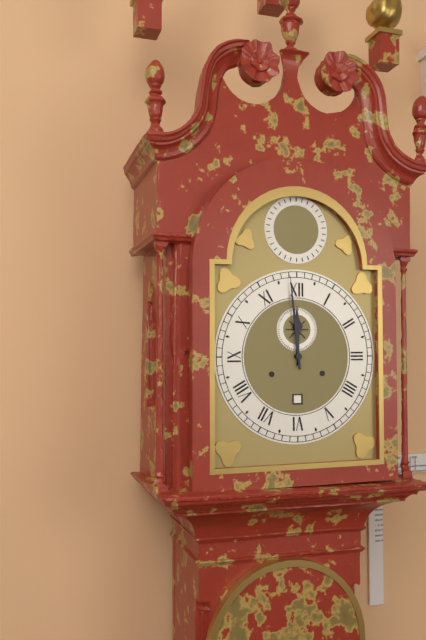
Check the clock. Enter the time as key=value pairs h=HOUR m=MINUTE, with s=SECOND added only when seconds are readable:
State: h=11 m=59
